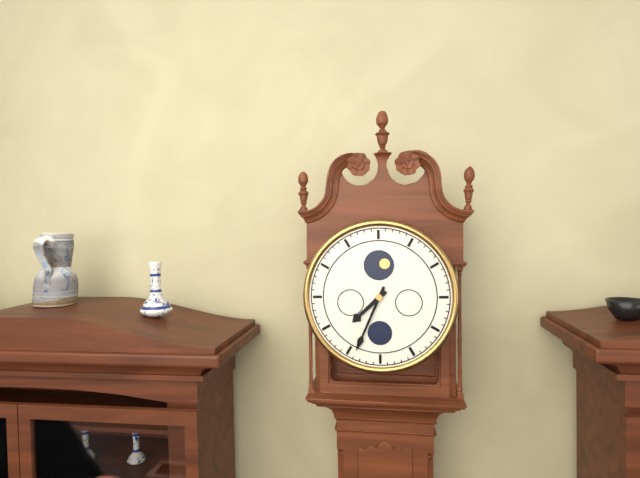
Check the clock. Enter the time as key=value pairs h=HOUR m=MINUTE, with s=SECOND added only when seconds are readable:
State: h=7 m=34
